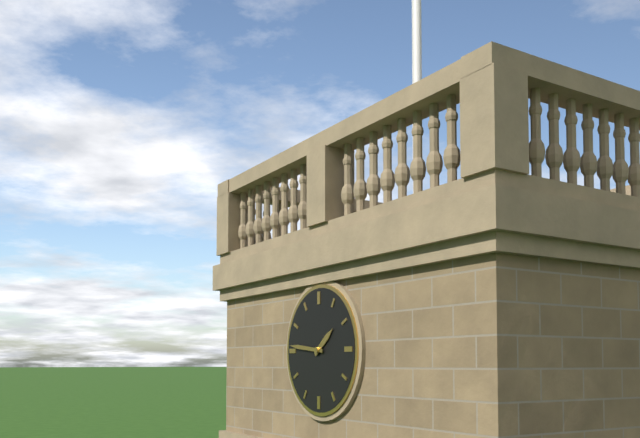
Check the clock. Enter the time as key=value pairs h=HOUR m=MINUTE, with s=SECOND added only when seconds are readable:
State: h=1 m=46
